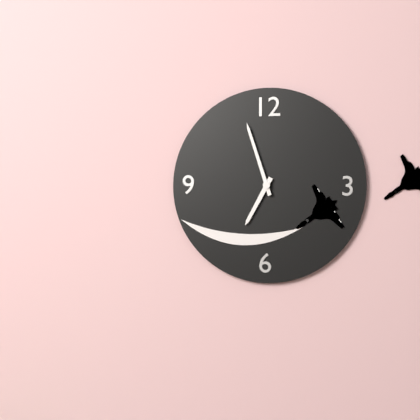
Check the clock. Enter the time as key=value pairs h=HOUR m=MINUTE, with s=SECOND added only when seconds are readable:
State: h=6 m=57
